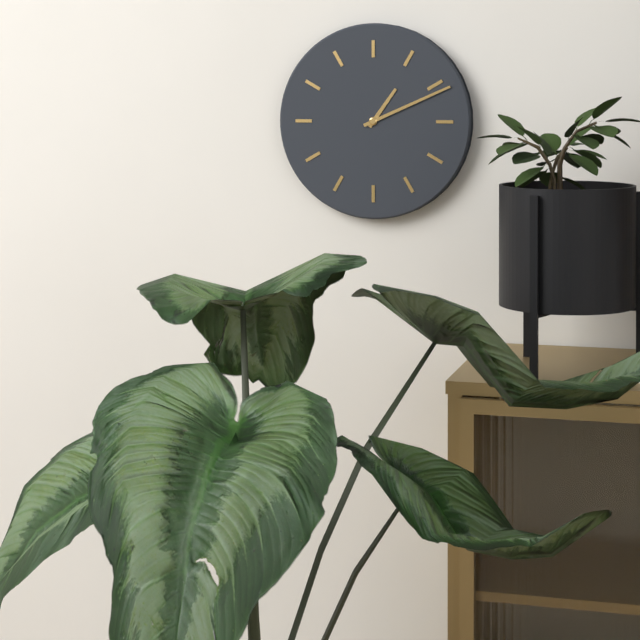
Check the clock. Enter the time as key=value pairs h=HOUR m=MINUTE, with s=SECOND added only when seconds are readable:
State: h=1 m=11
